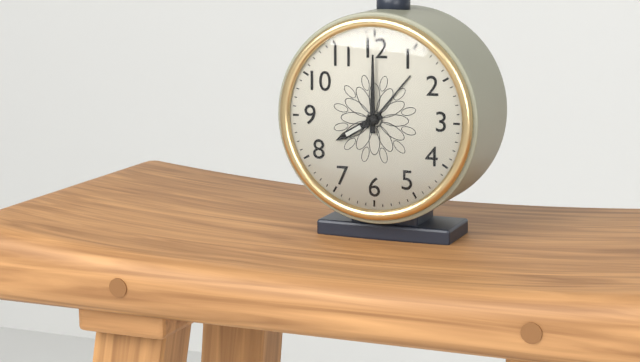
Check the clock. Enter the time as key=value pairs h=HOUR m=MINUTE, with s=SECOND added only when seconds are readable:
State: h=8 m=0
